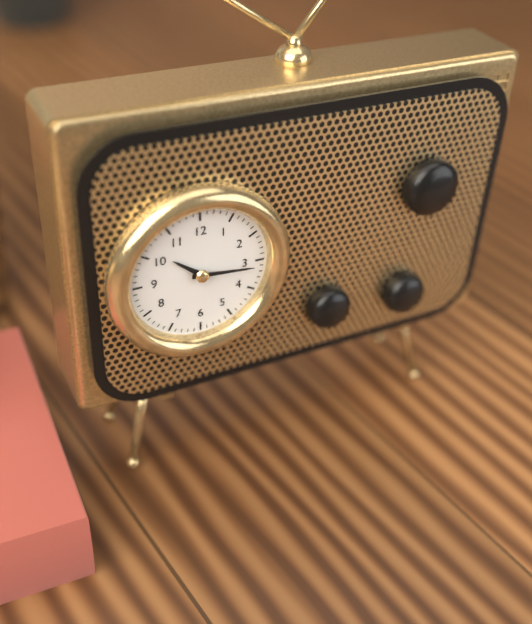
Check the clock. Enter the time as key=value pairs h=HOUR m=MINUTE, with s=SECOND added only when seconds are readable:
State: h=10 m=16
